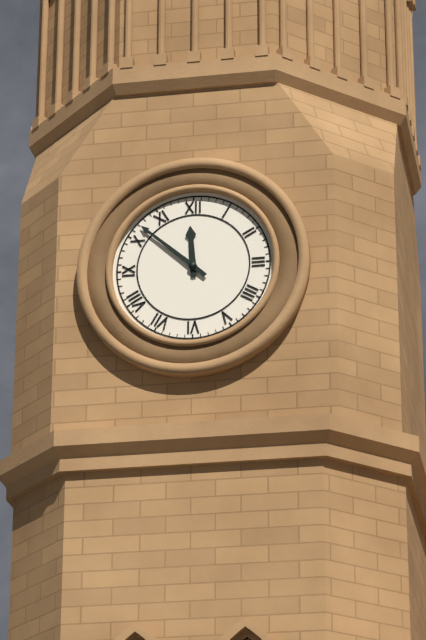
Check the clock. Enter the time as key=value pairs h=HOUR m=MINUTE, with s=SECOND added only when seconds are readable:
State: h=11 m=52
